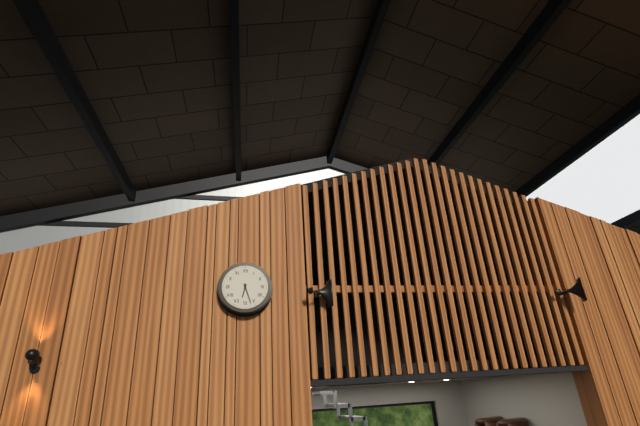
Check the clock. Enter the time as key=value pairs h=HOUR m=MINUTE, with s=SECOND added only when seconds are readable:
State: h=6 m=27
